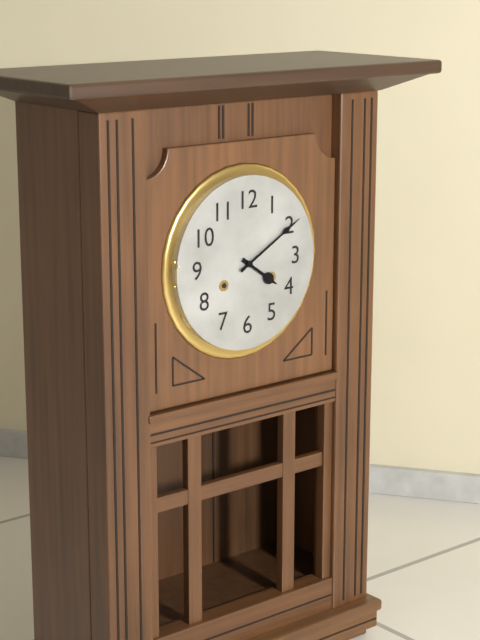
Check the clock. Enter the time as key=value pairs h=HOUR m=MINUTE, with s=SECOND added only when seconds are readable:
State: h=4 m=10
